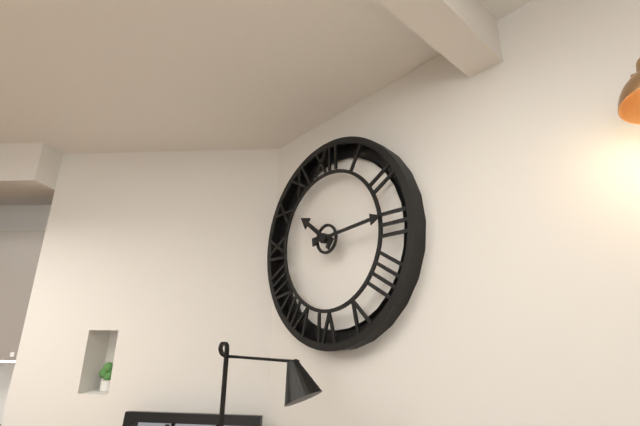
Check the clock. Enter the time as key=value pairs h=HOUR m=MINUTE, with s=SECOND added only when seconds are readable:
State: h=10 m=14
